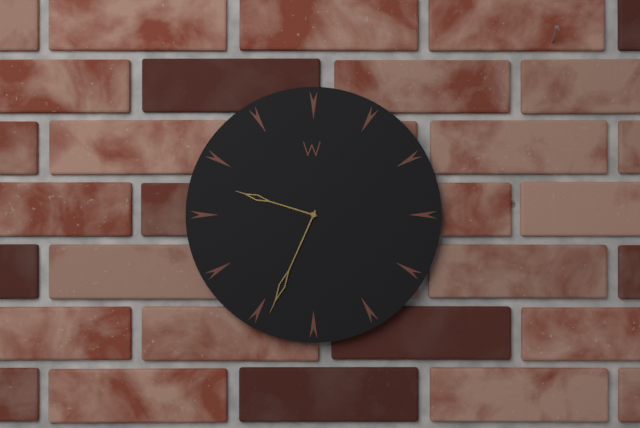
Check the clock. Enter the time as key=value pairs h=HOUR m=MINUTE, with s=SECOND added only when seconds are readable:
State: h=9 m=34
